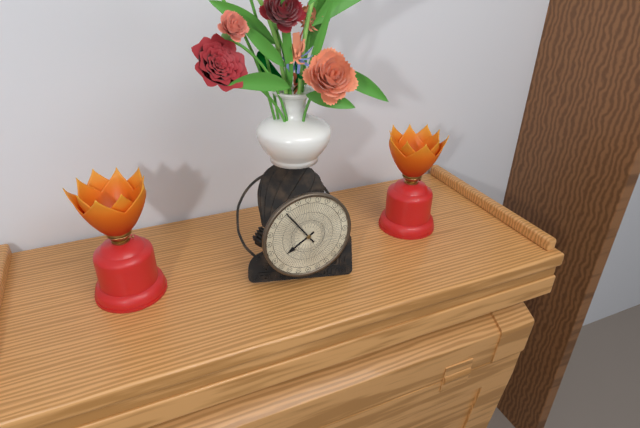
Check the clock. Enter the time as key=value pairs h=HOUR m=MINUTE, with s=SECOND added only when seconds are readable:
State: h=7 m=54
